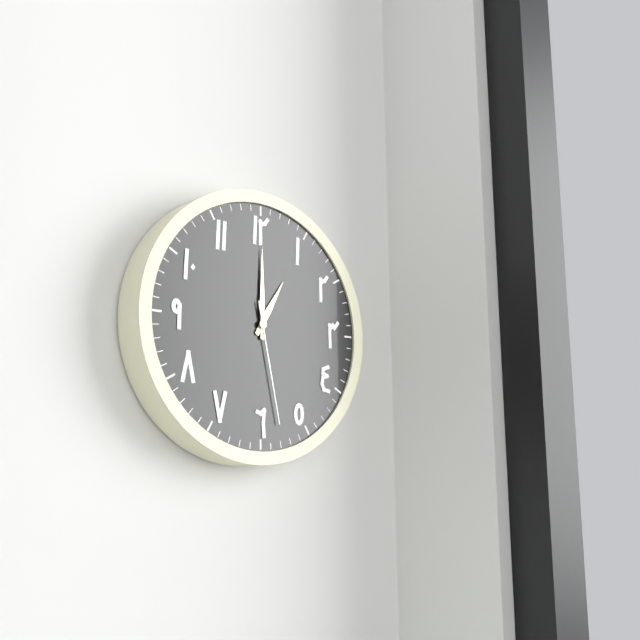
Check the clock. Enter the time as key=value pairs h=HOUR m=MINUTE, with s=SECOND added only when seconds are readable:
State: h=1 m=0 s=28
